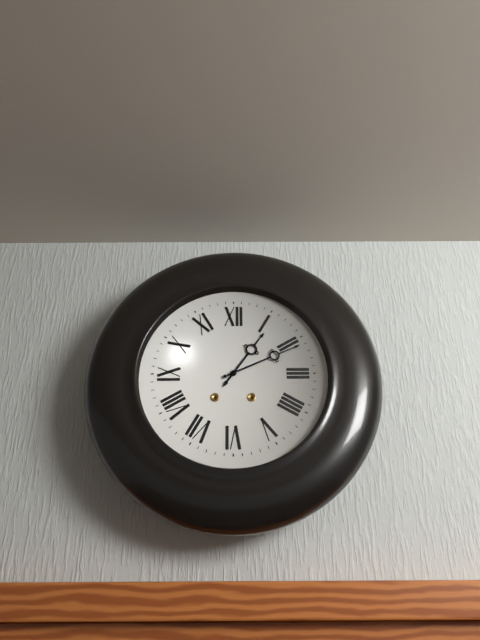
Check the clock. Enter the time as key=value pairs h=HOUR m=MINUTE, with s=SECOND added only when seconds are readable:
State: h=1 m=11
